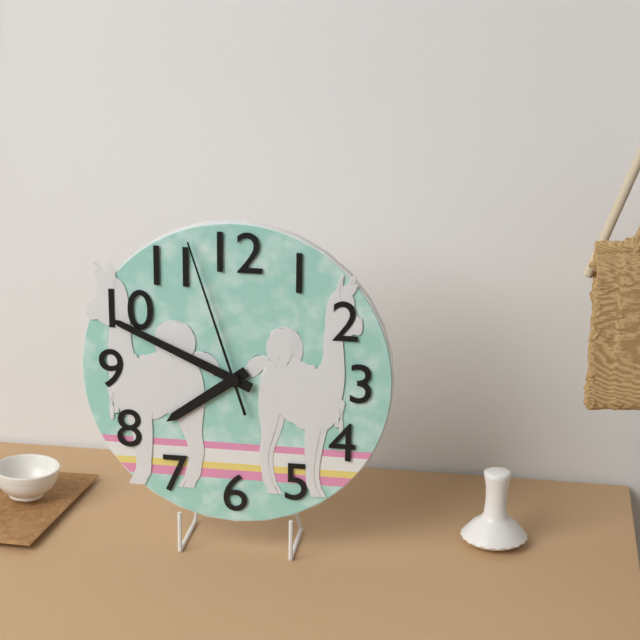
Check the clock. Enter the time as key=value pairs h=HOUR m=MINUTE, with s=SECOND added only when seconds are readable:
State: h=7 m=49 s=57
